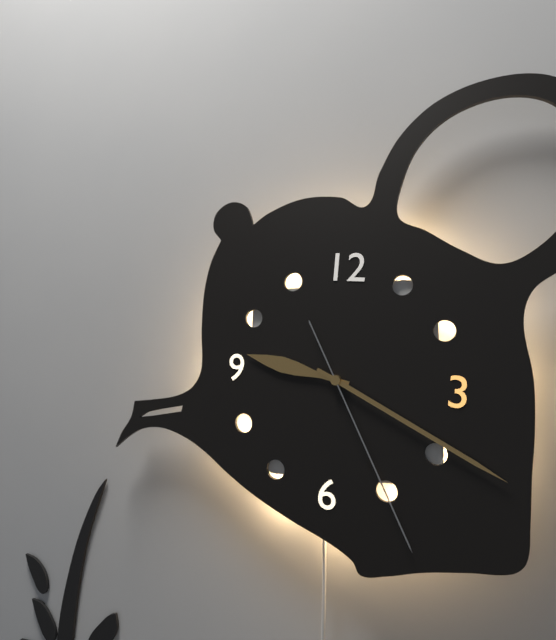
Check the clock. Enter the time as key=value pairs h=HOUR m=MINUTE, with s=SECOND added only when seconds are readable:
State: h=9 m=19 s=25
